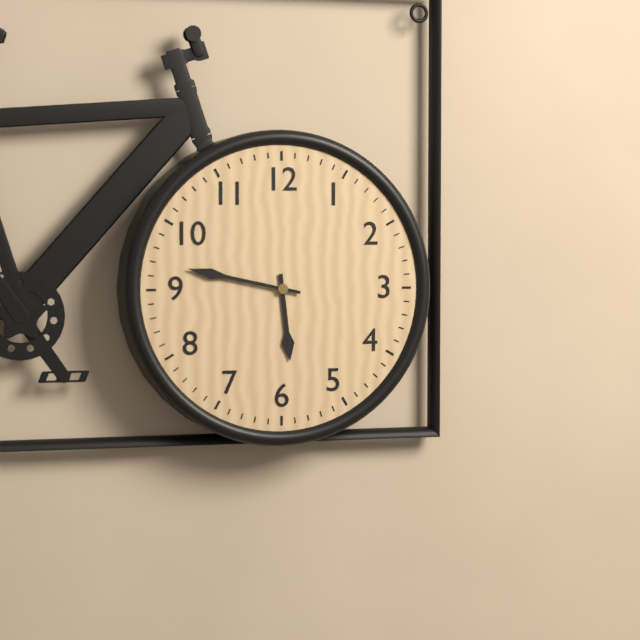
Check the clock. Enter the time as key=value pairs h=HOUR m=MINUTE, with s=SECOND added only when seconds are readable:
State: h=5 m=47
